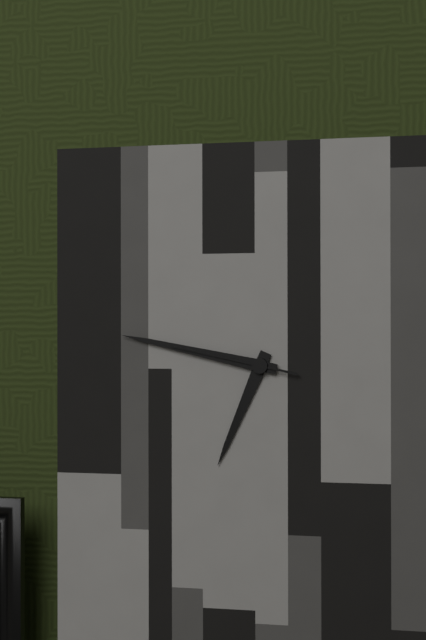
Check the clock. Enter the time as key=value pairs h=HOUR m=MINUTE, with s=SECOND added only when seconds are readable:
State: h=6 m=47 s=47
